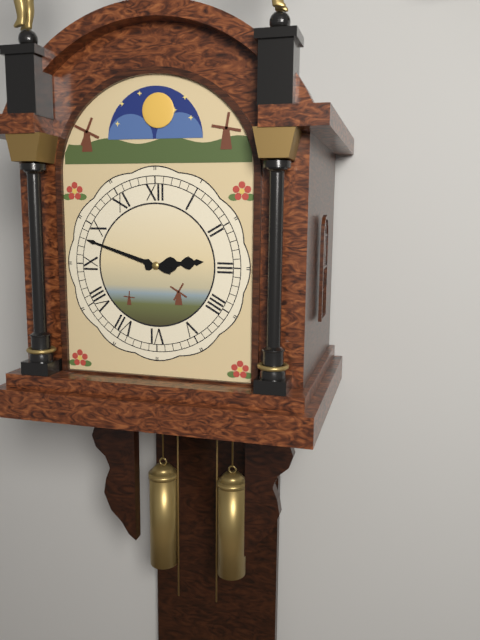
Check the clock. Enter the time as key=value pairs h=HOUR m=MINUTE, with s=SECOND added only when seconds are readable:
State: h=2 m=48
